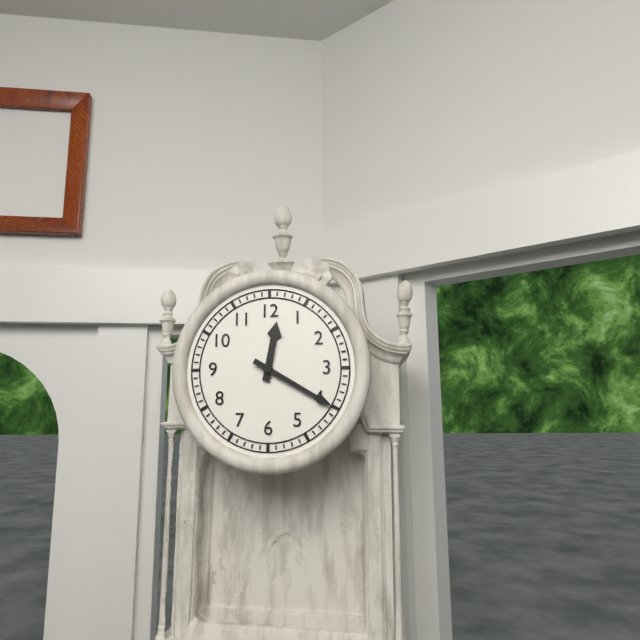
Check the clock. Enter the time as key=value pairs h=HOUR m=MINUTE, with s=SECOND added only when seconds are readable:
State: h=12 m=20
